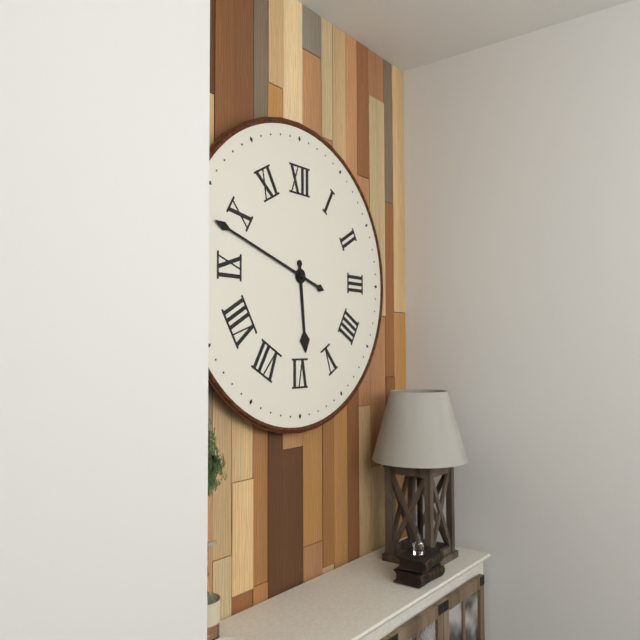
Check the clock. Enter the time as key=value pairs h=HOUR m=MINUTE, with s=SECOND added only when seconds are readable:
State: h=5 m=48
